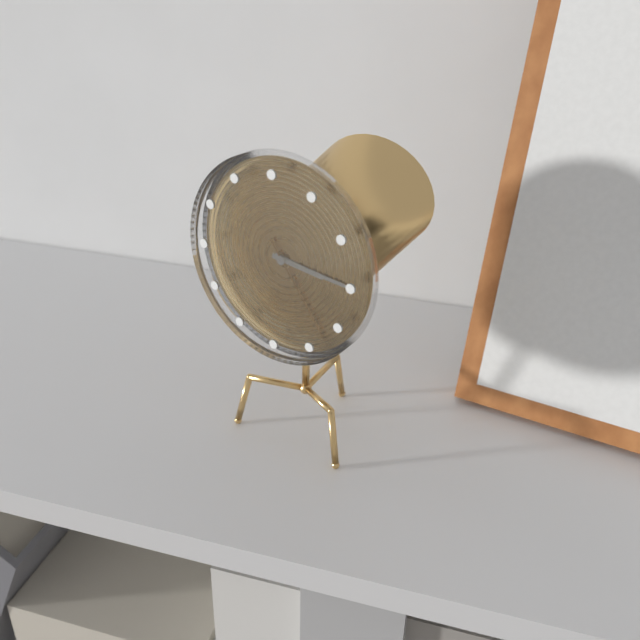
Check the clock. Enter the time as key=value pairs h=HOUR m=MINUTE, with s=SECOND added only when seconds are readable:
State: h=3 m=16 s=24
